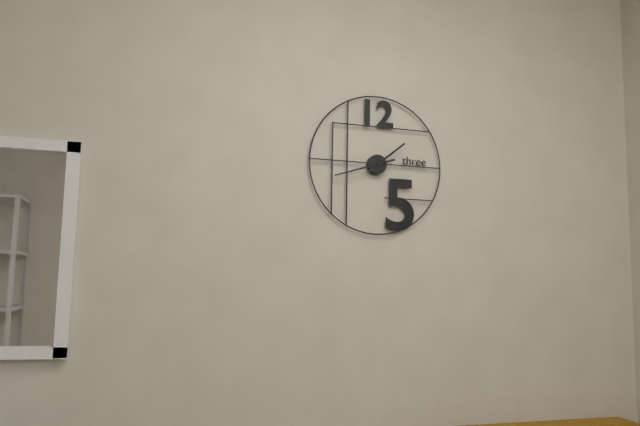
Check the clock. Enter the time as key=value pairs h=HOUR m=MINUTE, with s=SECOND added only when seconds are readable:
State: h=1 m=42
